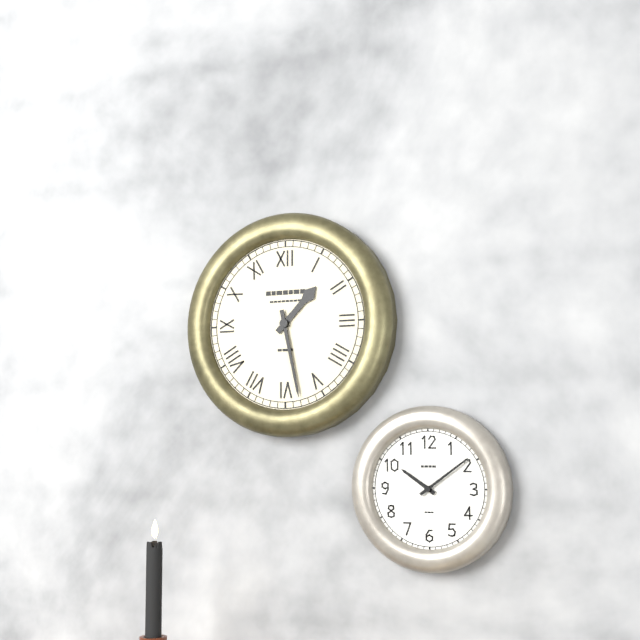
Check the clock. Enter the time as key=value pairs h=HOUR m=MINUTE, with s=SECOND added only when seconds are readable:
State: h=1 m=28
